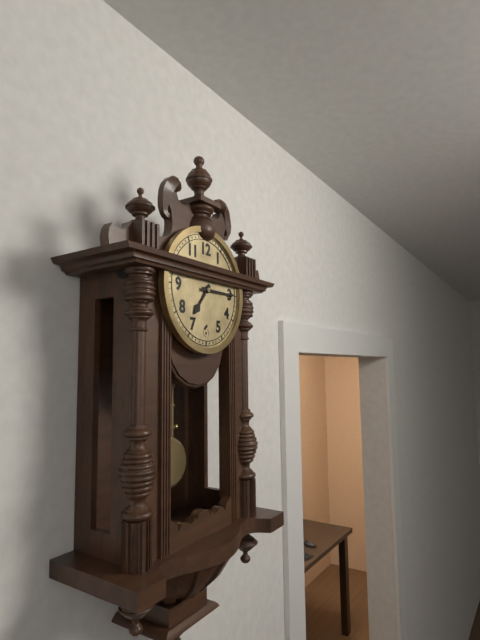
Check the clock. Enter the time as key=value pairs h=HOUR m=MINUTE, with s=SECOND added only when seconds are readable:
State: h=7 m=15
